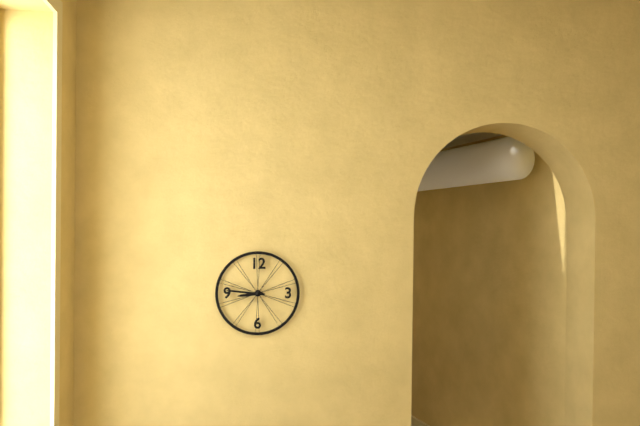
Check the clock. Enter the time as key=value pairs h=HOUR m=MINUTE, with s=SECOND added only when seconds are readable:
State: h=8 m=46
